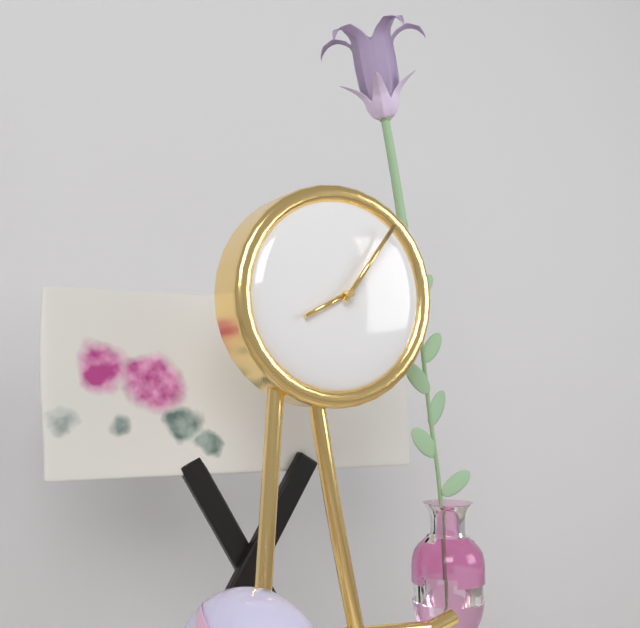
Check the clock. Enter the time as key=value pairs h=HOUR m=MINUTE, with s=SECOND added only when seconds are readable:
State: h=8 m=6
